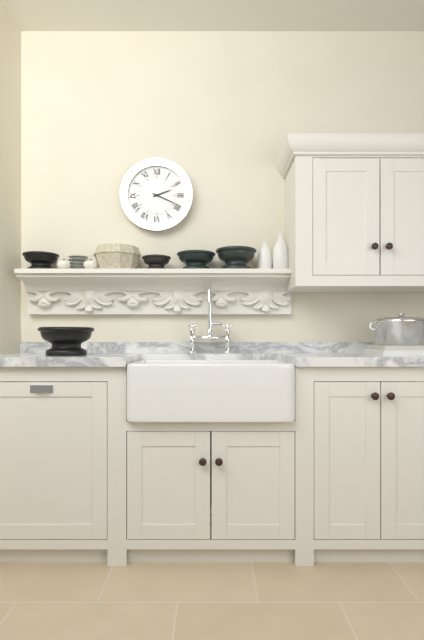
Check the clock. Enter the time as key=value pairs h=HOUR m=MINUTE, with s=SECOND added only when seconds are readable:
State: h=2 m=19
